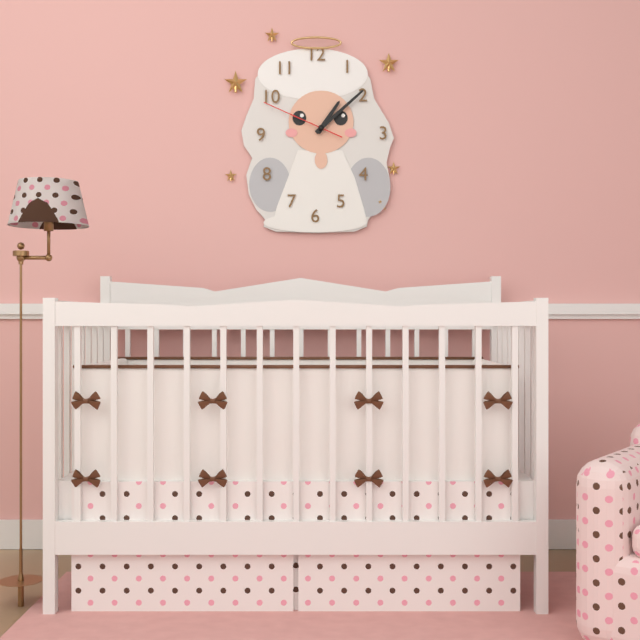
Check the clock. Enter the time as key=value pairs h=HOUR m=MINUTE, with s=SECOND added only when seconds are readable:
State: h=1 m=8 s=49
